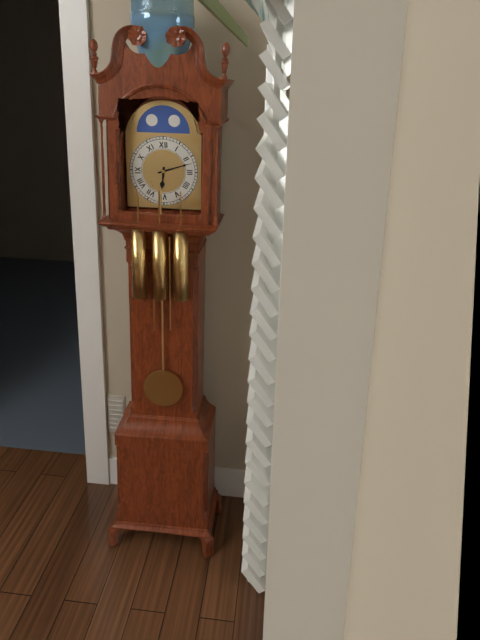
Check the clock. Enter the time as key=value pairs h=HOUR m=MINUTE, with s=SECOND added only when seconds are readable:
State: h=6 m=12
